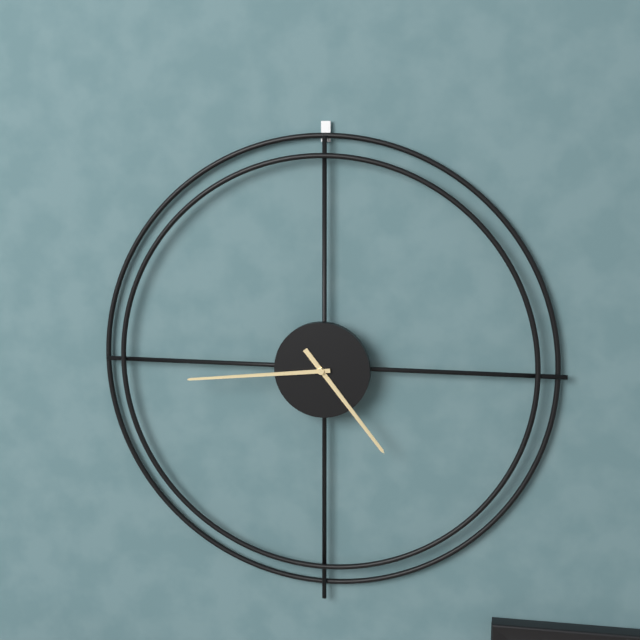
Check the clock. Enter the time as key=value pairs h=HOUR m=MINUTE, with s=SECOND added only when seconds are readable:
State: h=4 m=44
